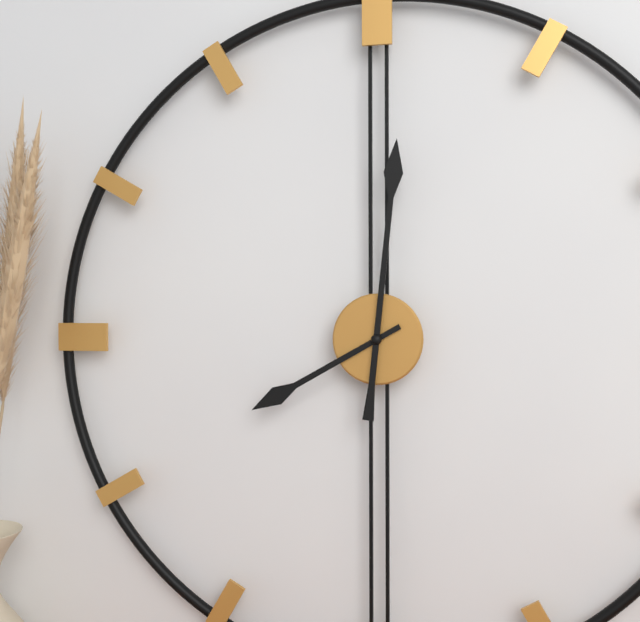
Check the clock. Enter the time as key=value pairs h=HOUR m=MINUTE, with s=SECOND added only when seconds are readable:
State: h=8 m=1
